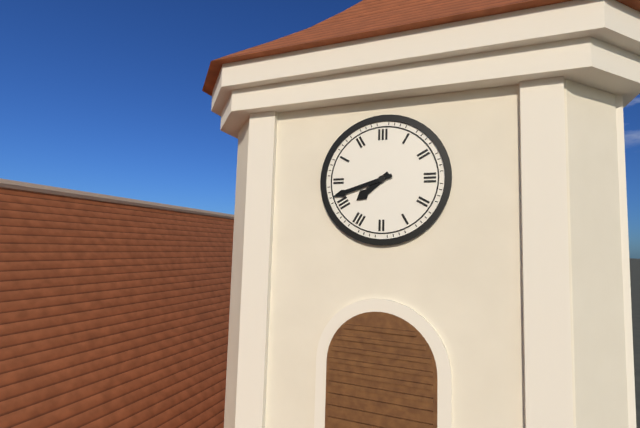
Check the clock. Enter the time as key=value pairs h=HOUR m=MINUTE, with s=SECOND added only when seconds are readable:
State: h=7 m=42
